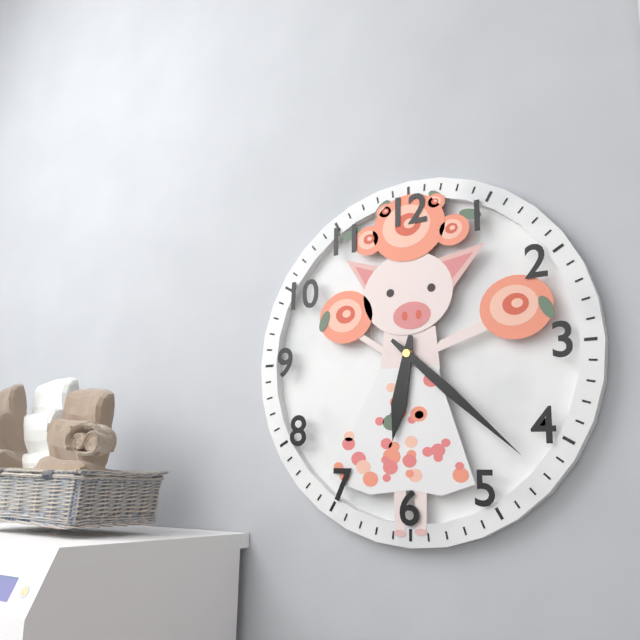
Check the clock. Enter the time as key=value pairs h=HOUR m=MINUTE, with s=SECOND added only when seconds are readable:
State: h=6 m=22
